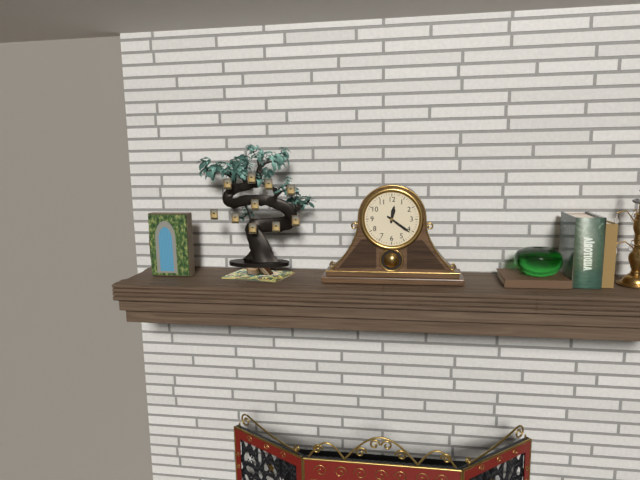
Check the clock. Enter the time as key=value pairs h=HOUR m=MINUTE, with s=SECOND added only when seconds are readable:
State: h=12 m=21
